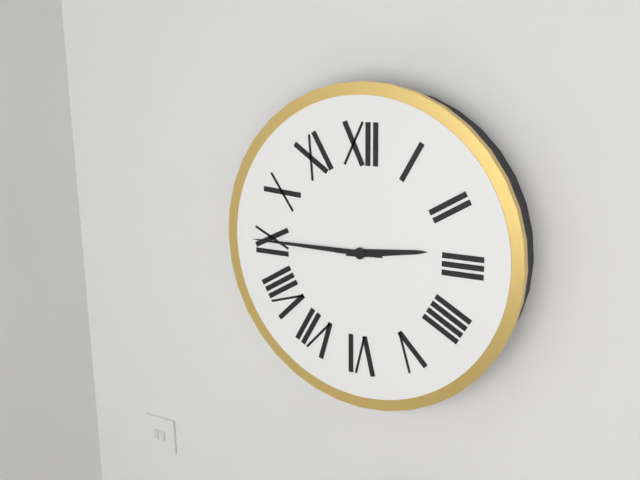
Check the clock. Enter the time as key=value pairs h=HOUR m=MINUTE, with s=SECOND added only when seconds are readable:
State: h=2 m=45
